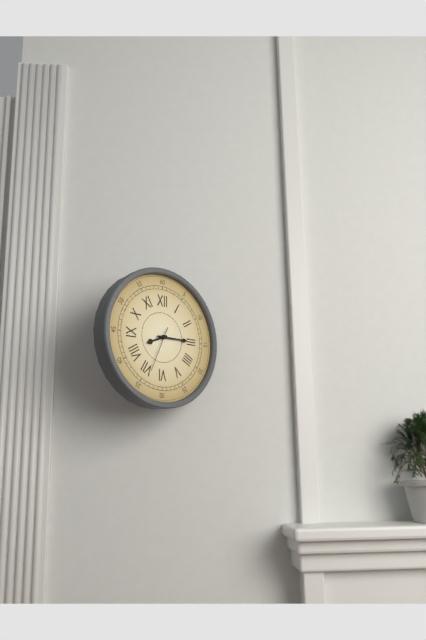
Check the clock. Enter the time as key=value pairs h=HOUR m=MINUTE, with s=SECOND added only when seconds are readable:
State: h=8 m=15
